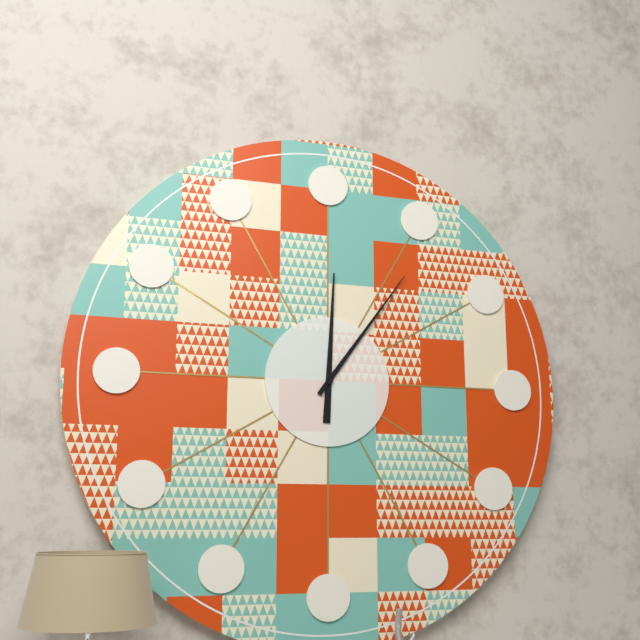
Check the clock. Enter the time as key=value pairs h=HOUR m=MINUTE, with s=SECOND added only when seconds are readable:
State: h=12 m=6
